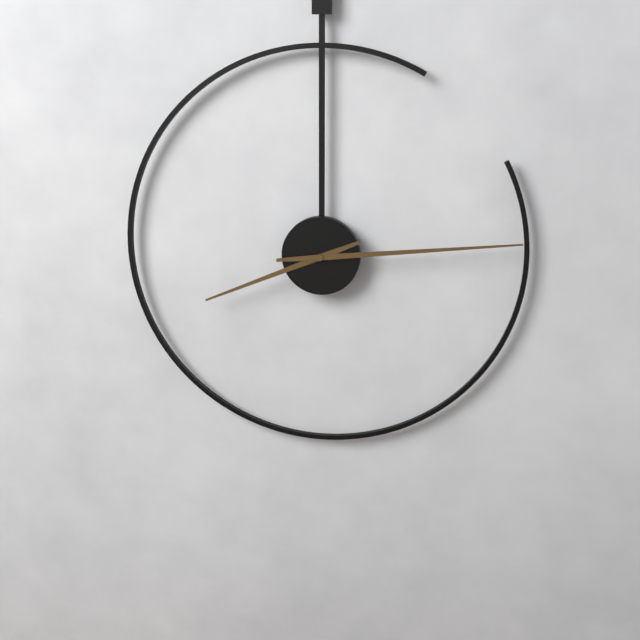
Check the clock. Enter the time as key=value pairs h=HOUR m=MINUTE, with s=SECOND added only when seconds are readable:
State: h=8 m=14
